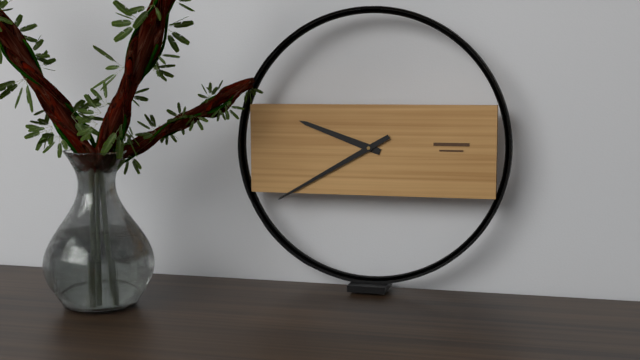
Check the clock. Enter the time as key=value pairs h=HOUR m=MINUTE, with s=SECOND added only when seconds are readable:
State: h=9 m=40
